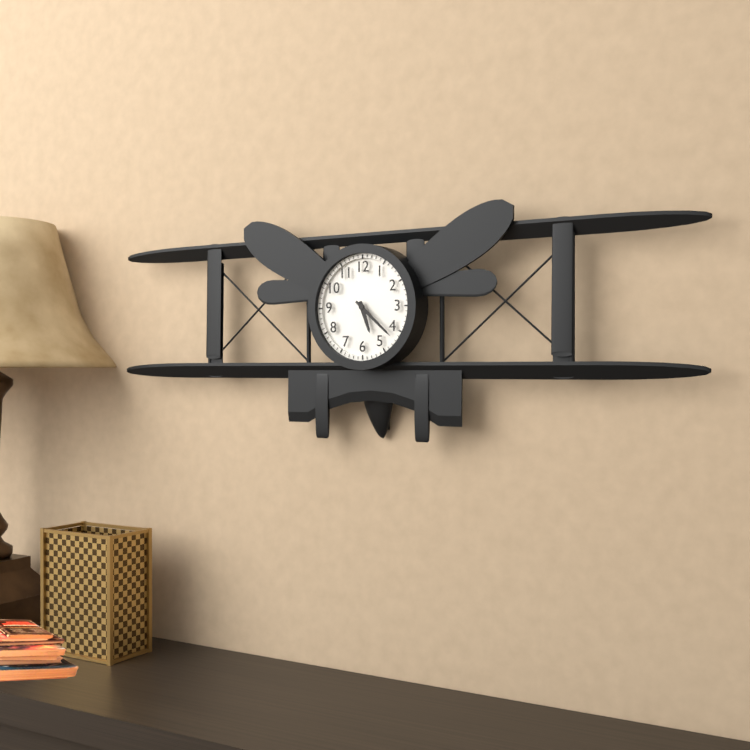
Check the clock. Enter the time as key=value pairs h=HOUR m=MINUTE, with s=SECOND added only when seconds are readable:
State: h=5 m=22
